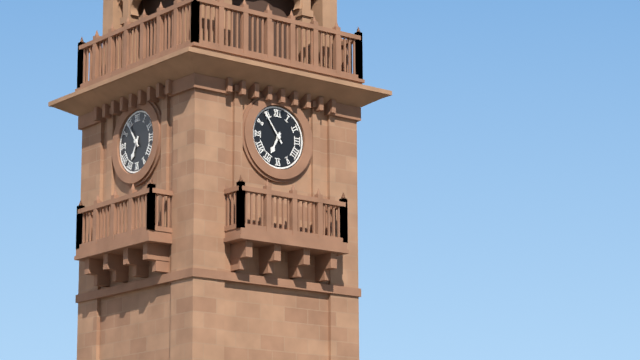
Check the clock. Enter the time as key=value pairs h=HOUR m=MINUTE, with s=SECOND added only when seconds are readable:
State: h=6 m=54
